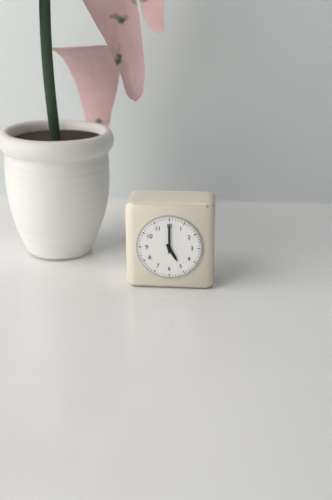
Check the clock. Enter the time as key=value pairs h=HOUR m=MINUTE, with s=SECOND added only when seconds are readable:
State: h=5 m=0
